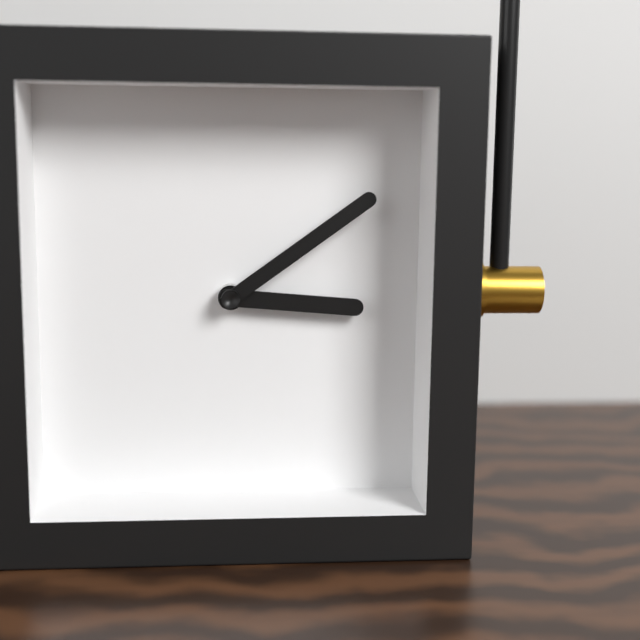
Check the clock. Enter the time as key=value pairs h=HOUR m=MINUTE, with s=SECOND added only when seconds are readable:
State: h=3 m=9
